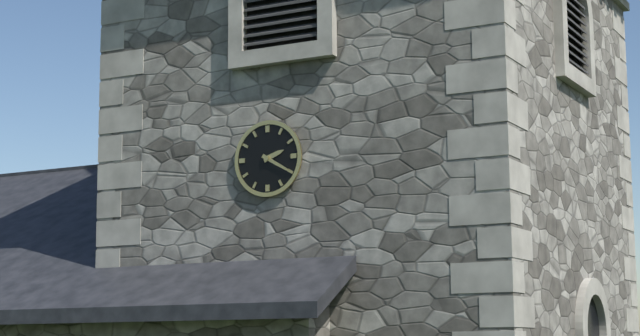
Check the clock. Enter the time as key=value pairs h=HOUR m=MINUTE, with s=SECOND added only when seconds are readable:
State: h=2 m=20
